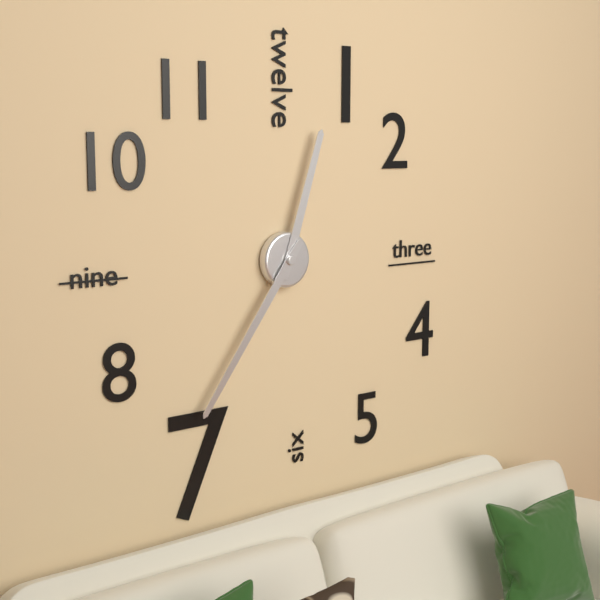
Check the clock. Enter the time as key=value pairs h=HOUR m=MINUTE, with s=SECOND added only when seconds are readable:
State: h=12 m=36
